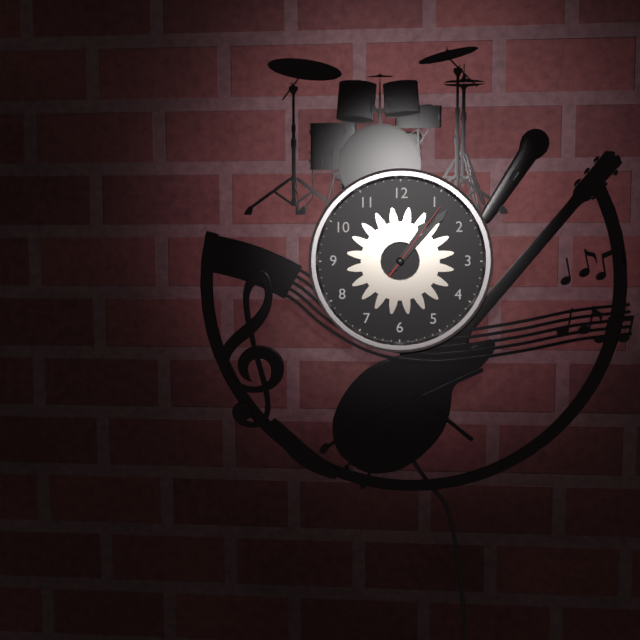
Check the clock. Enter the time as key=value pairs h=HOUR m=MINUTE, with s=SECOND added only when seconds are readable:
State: h=1 m=7 s=6
